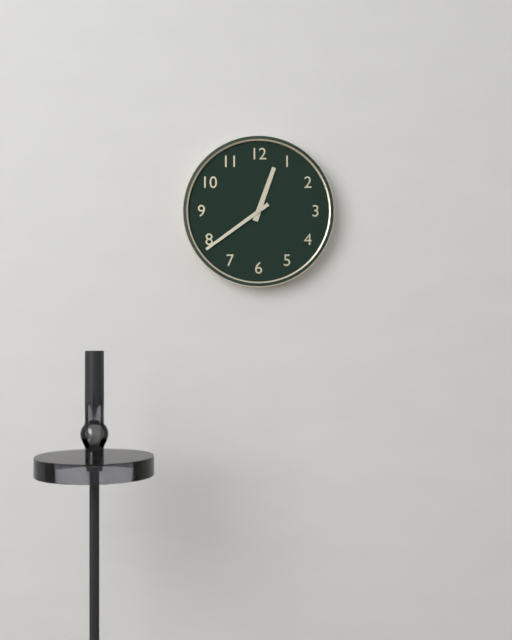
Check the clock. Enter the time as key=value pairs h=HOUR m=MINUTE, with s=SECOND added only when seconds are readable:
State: h=12 m=39
